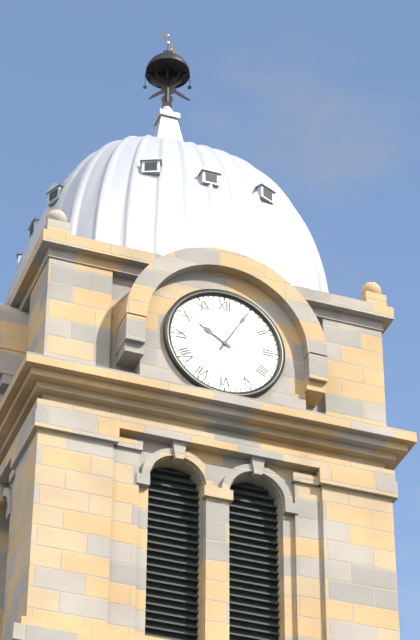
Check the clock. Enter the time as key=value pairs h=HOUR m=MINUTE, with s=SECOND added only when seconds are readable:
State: h=10 m=5
